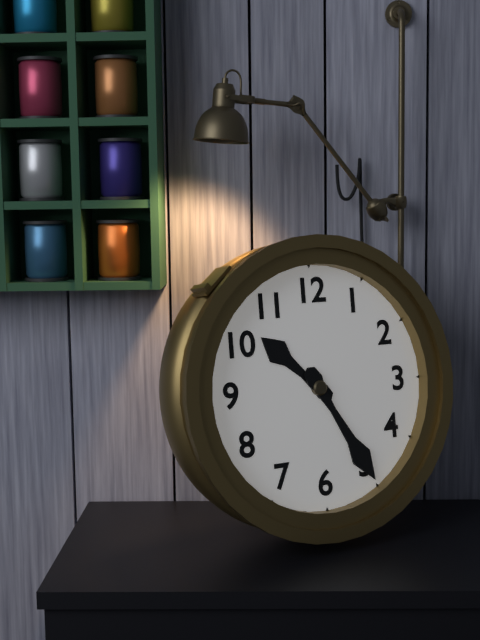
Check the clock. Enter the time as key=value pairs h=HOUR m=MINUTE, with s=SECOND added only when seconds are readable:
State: h=10 m=25
